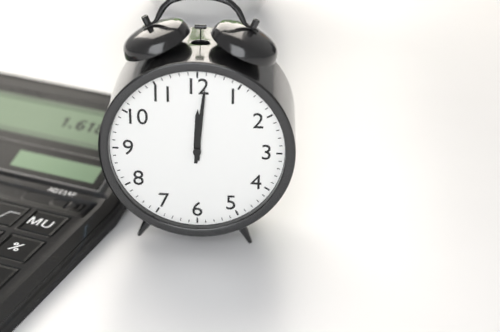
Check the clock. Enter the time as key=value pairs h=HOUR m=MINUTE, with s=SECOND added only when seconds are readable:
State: h=12 m=1
